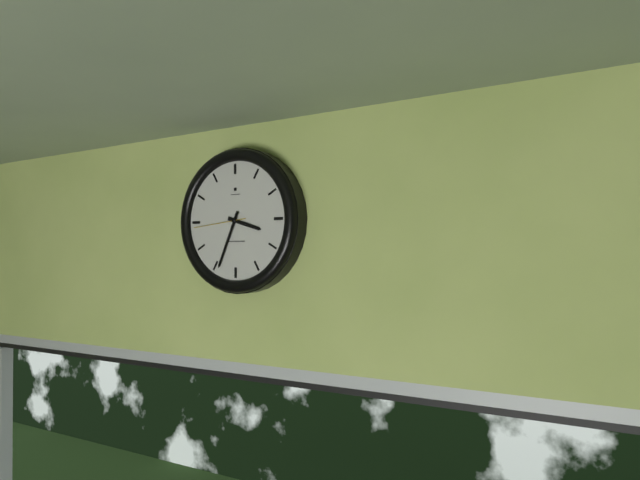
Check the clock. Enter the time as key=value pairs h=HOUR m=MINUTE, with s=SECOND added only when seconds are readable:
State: h=3 m=34 s=44
